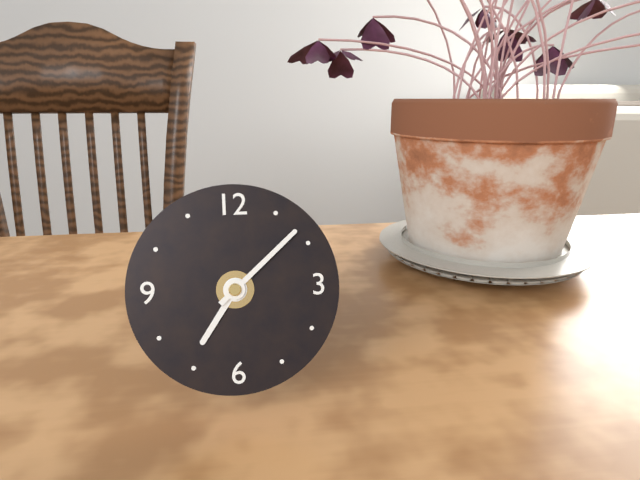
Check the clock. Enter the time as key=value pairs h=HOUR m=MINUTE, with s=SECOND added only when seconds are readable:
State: h=7 m=8
